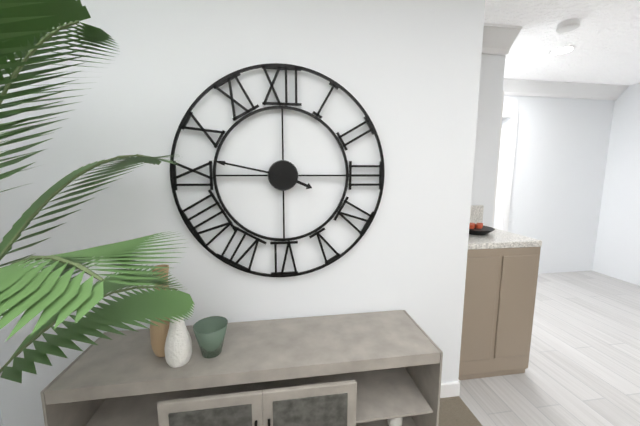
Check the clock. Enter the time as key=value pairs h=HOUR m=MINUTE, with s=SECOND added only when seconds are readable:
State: h=3 m=47
